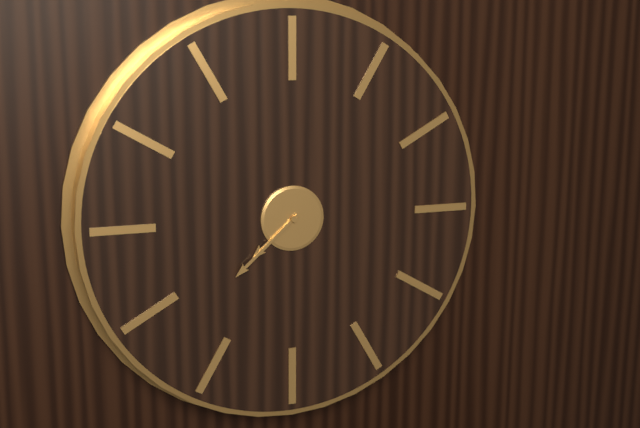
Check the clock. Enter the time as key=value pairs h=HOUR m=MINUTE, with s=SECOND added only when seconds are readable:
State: h=7 m=38
